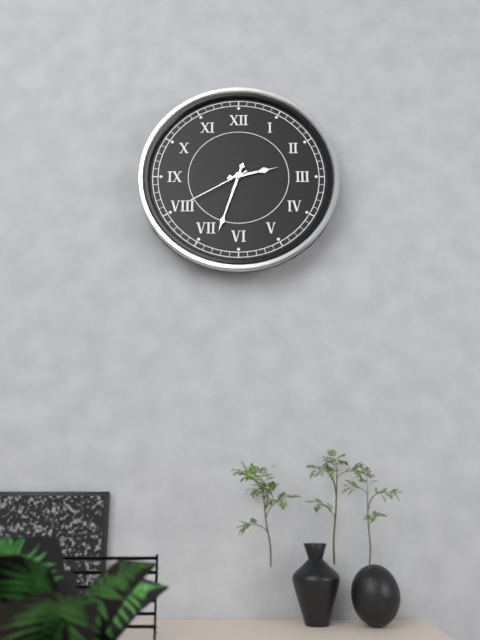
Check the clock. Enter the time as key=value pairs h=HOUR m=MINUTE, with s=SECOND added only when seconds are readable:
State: h=2 m=33 s=40
